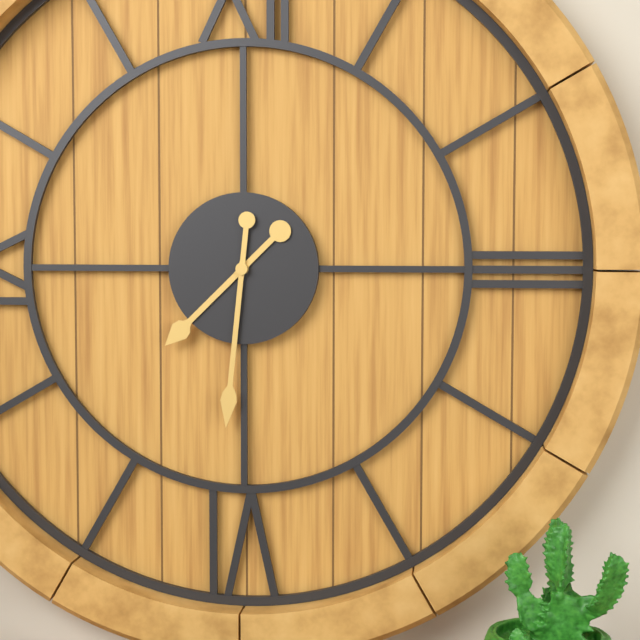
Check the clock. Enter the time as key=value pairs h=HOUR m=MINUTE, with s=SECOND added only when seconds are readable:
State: h=7 m=31
